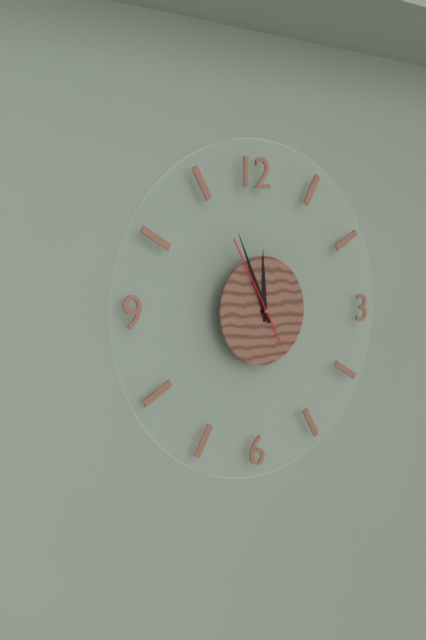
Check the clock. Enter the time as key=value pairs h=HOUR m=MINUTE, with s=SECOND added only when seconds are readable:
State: h=11 m=56 s=55
